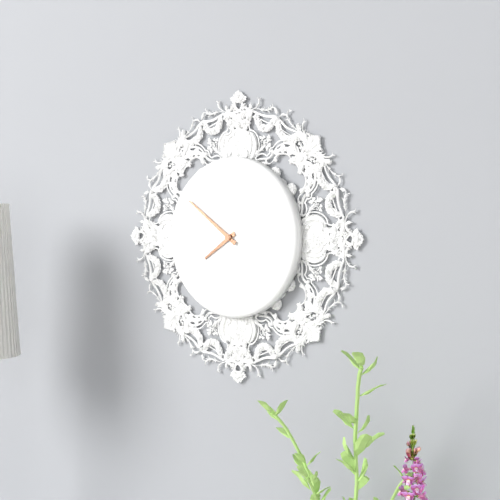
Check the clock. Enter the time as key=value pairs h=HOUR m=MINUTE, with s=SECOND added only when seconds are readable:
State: h=7 m=51
